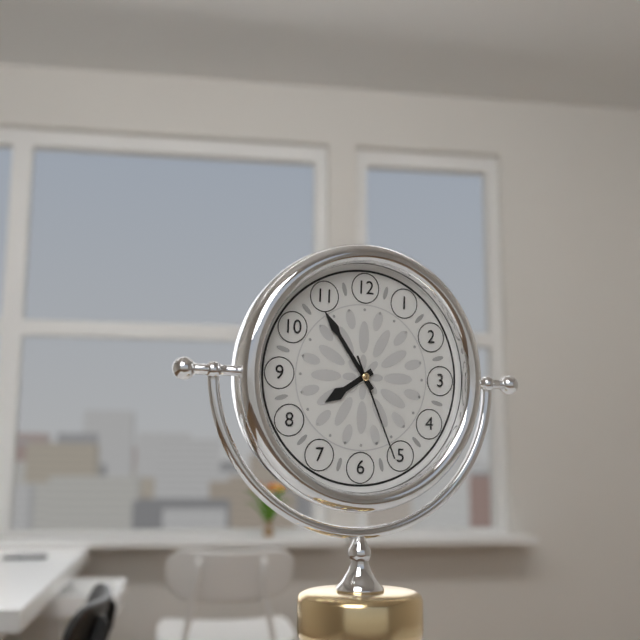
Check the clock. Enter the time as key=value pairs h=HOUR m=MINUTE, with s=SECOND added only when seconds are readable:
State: h=7 m=54 s=26
